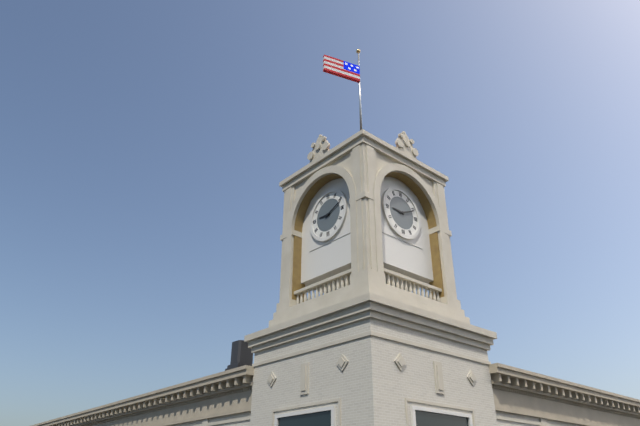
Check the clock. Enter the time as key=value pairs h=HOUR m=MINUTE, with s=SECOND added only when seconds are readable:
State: h=9 m=11
